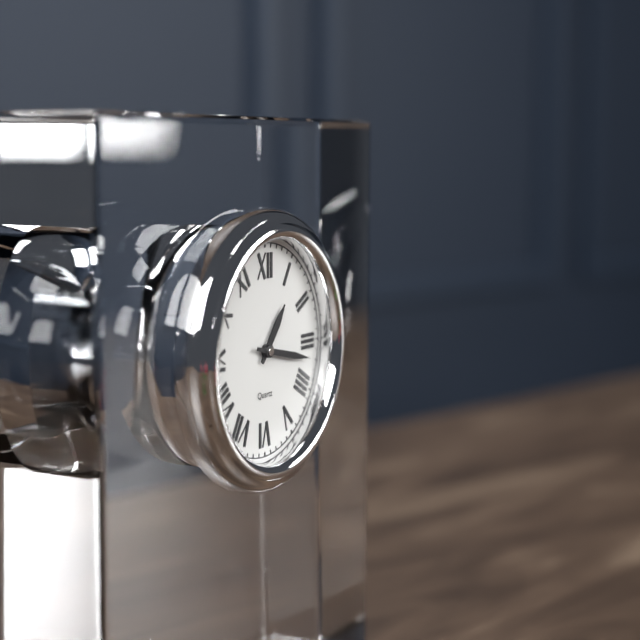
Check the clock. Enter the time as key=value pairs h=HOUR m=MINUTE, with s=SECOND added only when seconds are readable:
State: h=1 m=17
